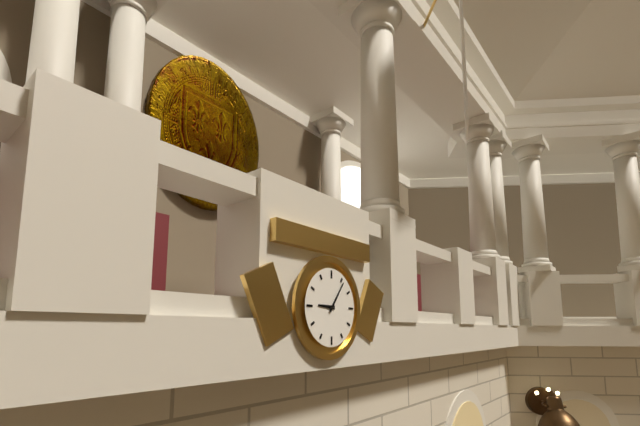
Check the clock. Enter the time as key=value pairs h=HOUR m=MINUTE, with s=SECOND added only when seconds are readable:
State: h=9 m=6
